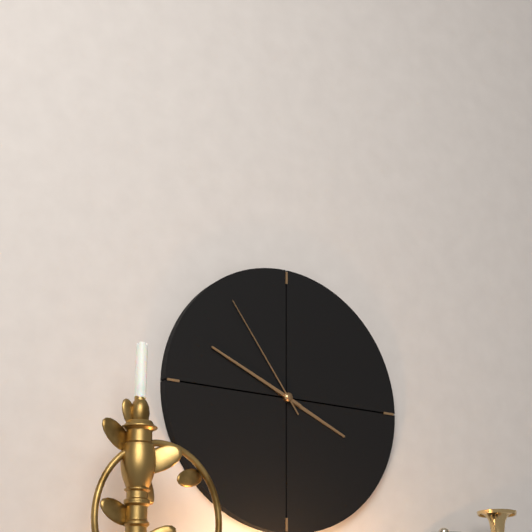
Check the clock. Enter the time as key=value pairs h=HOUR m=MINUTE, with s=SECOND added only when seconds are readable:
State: h=3 m=49 s=54
